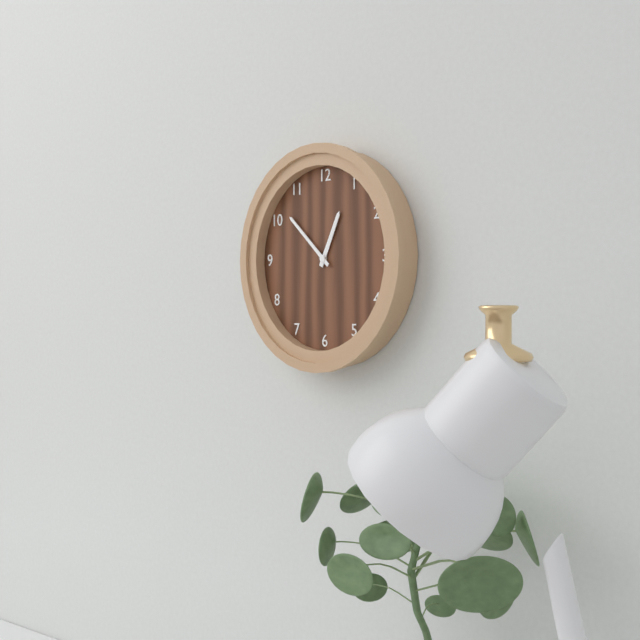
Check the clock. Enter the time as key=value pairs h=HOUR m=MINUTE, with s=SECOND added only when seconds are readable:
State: h=12 m=52
